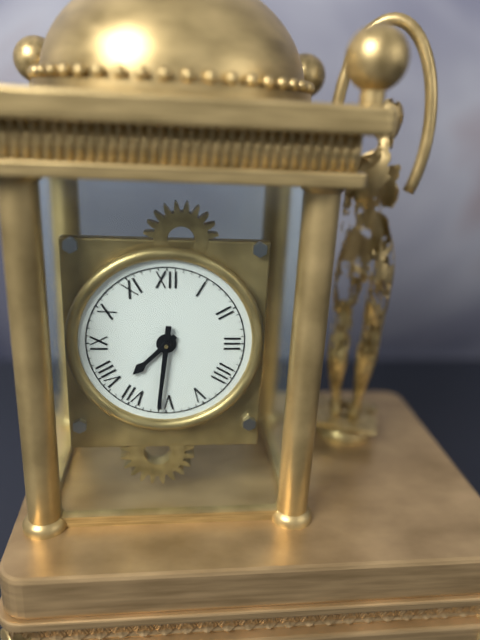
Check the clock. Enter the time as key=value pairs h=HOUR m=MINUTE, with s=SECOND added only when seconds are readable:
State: h=7 m=31
